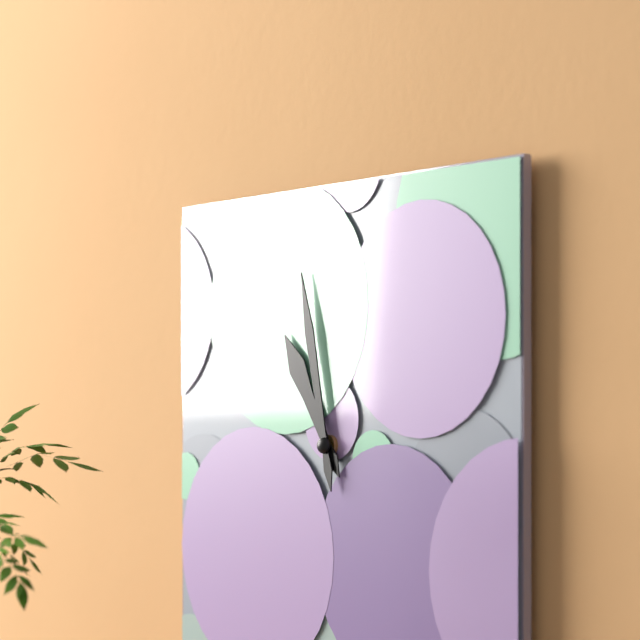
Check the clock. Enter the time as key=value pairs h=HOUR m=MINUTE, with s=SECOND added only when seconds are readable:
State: h=10 m=58
